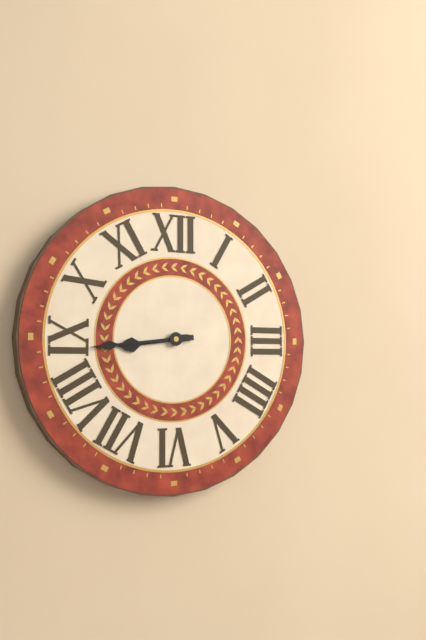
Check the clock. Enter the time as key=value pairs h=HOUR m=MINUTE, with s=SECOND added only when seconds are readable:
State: h=8 m=44
